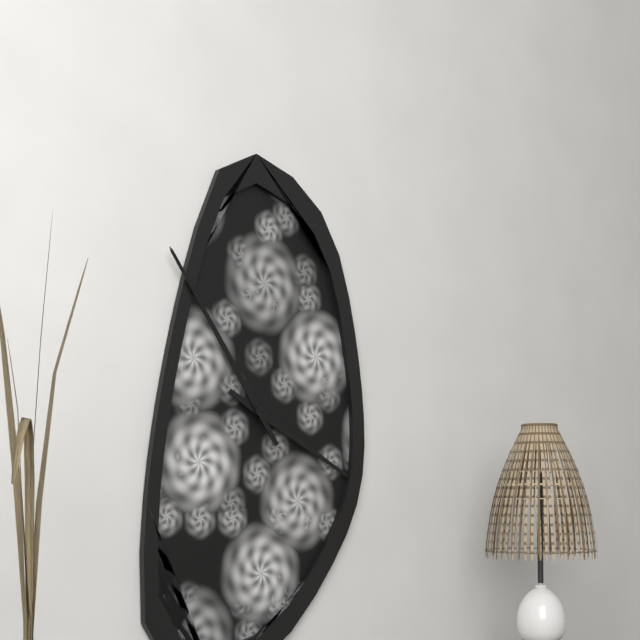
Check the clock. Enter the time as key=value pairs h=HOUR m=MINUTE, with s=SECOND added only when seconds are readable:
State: h=3 m=54
